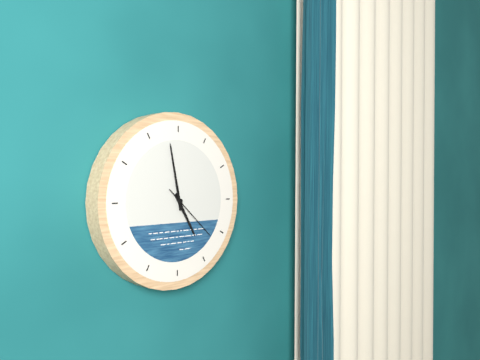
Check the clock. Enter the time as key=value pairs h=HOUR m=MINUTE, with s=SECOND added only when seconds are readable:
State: h=4 m=58 s=22
